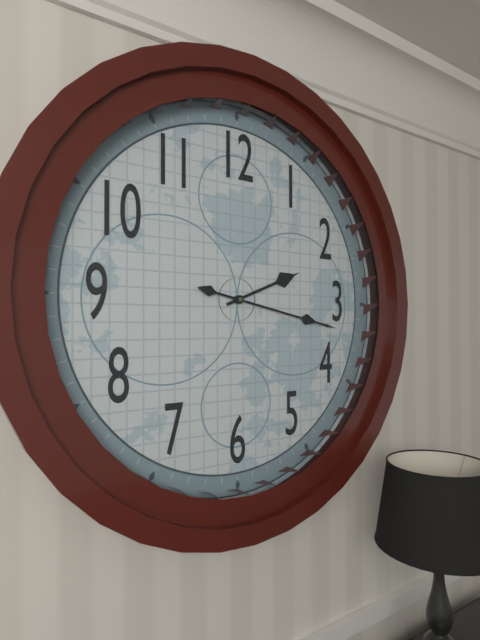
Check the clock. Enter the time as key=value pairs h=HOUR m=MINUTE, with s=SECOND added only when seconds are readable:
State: h=2 m=17
